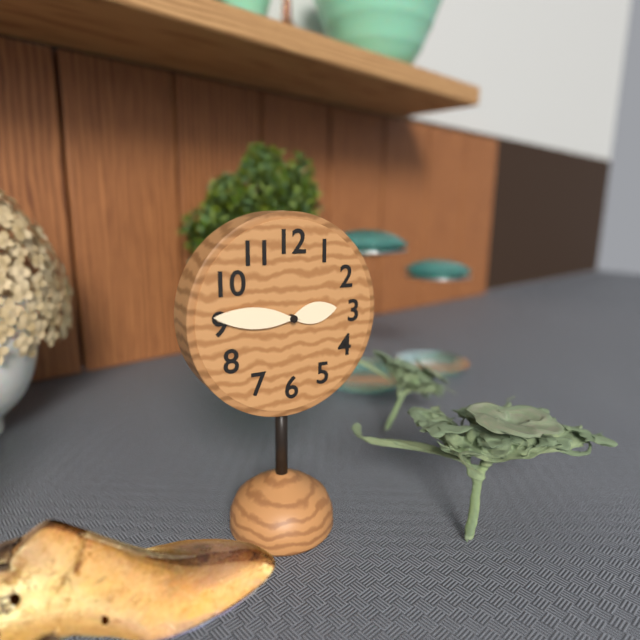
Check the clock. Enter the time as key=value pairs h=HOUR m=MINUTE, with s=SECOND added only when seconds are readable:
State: h=2 m=46
